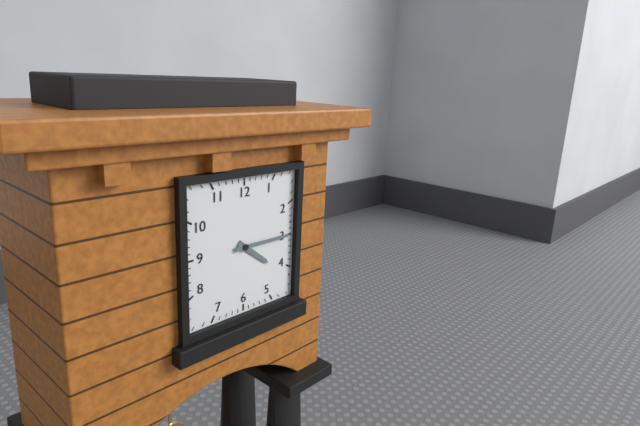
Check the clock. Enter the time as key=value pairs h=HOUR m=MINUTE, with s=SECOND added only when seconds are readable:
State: h=4 m=15
